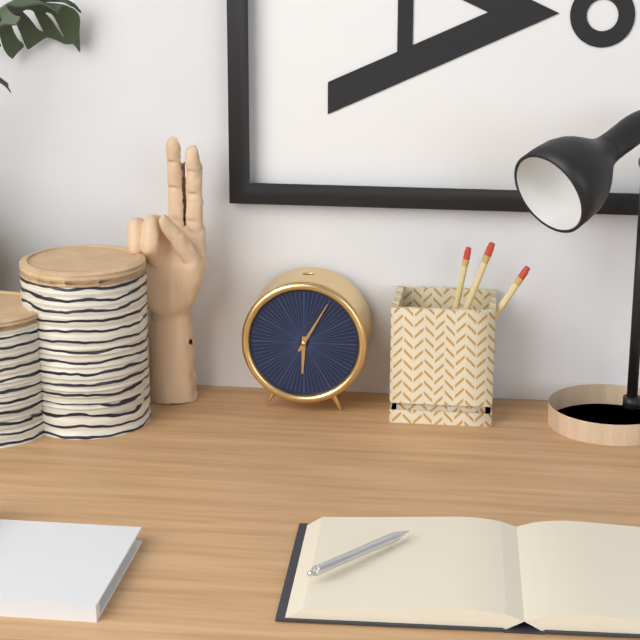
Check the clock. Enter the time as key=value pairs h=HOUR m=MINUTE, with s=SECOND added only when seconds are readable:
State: h=6 m=5
